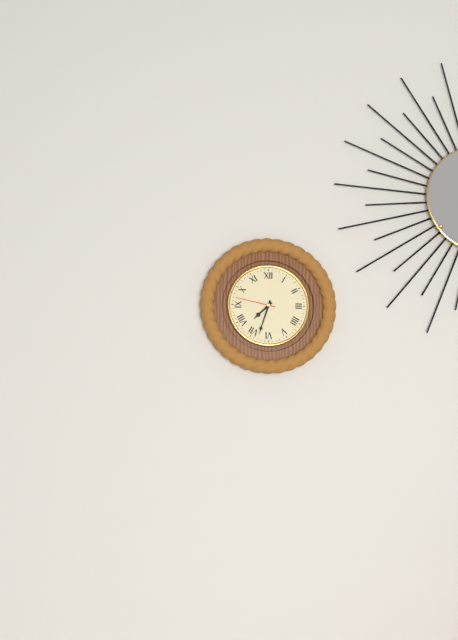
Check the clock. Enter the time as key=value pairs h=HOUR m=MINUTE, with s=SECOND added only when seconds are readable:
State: h=7 m=33
